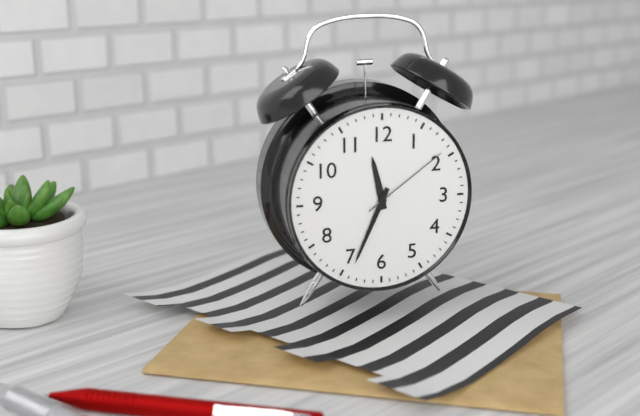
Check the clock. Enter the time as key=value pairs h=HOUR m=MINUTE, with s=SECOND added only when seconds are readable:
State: h=11 m=34 s=9
